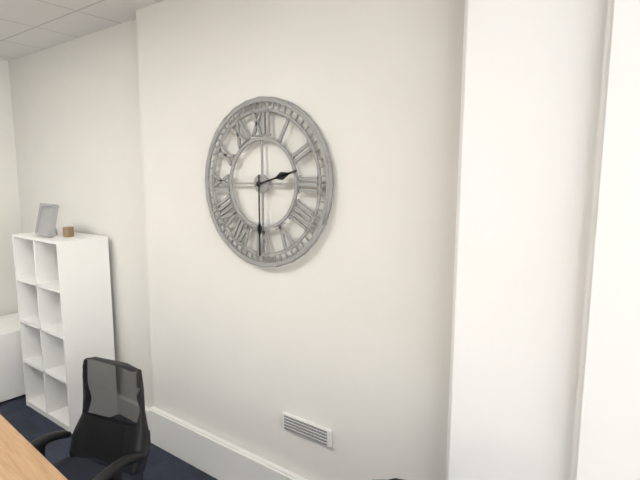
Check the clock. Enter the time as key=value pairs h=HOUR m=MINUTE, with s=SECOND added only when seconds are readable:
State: h=2 m=30
